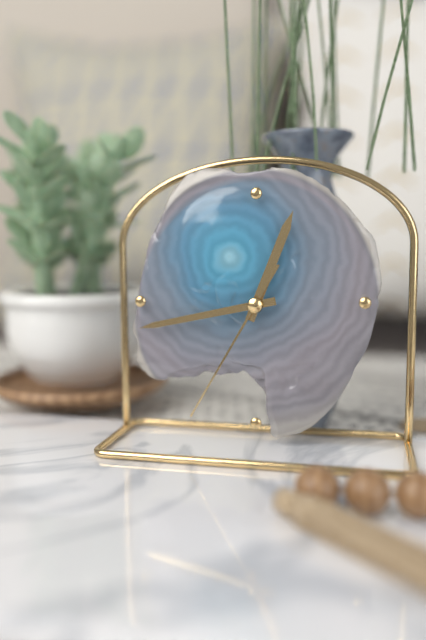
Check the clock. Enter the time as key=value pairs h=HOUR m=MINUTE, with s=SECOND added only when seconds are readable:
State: h=12 m=43 s=35
